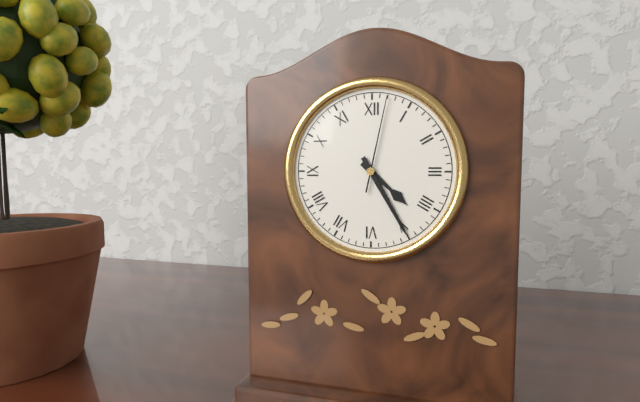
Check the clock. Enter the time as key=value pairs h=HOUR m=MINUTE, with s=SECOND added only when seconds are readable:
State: h=4 m=25 s=2
